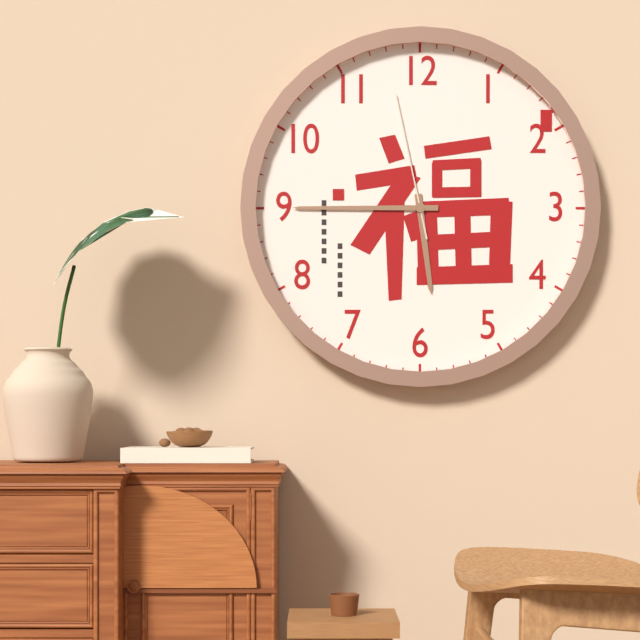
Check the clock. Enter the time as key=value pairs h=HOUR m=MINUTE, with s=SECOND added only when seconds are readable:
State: h=5 m=45 s=58
